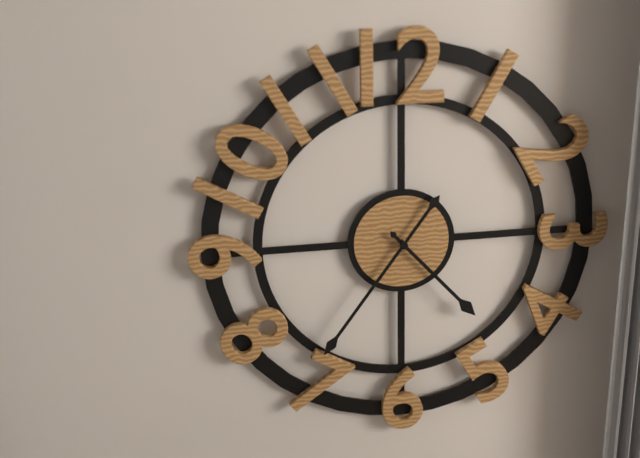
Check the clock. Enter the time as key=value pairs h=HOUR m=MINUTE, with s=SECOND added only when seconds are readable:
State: h=4 m=36
